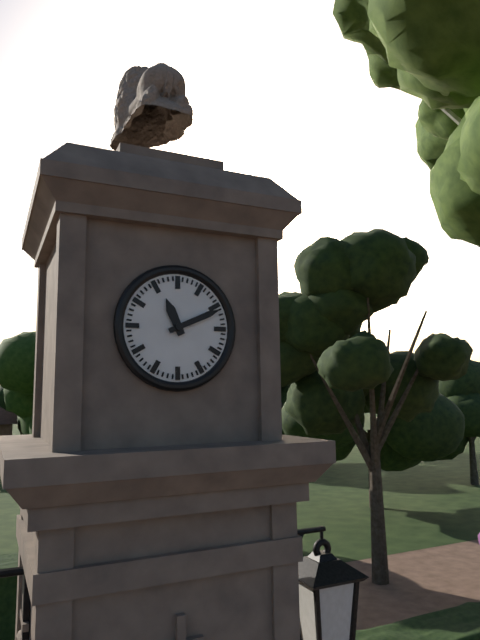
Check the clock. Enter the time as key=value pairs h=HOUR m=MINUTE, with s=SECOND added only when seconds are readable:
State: h=11 m=11
